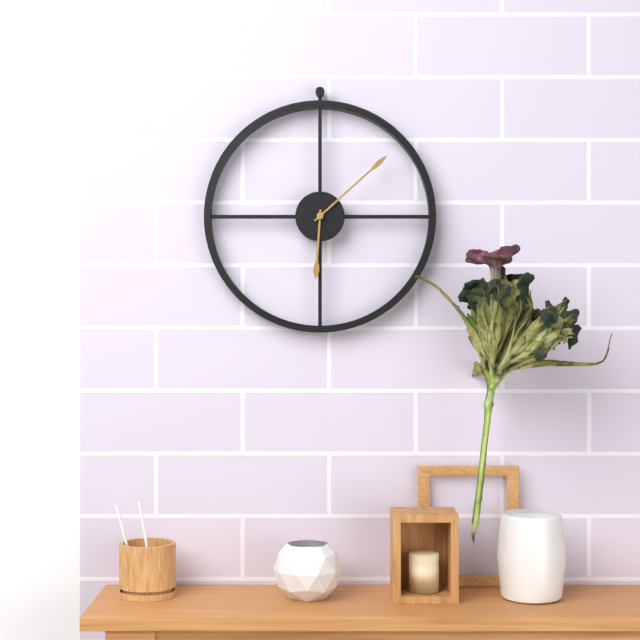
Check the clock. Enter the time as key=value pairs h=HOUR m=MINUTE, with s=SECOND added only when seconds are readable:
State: h=6 m=8
